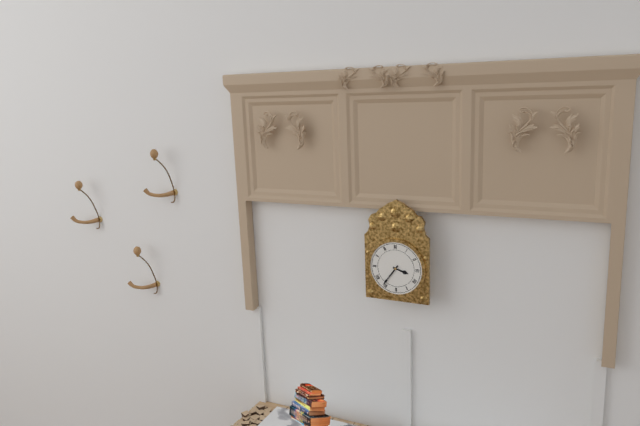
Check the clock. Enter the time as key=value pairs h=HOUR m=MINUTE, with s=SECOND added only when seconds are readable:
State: h=3 m=36
